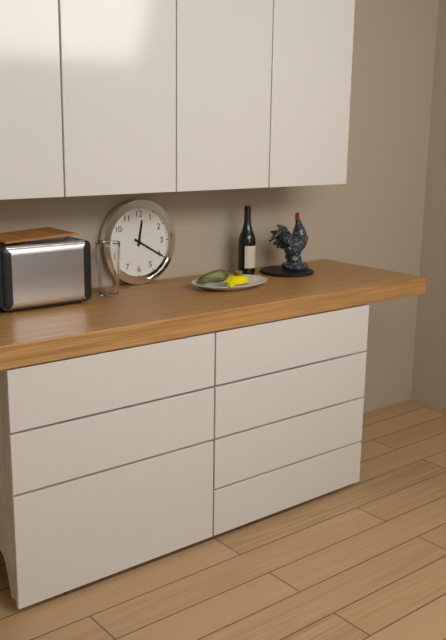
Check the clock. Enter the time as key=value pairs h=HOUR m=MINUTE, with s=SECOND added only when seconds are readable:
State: h=12 m=20
